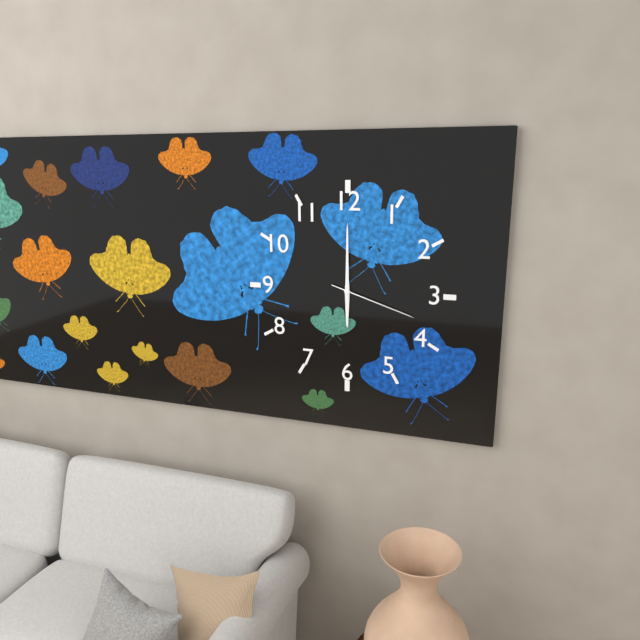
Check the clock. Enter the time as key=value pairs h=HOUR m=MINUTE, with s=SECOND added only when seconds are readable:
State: h=6 m=0 s=18
